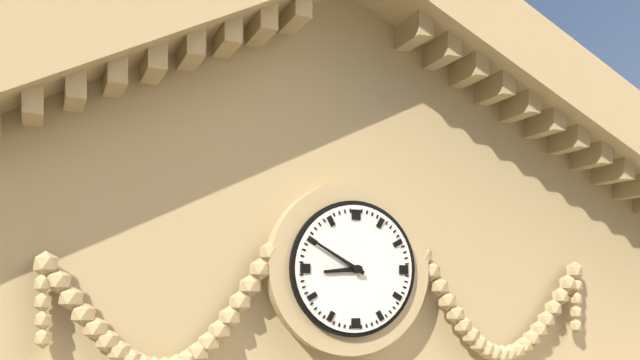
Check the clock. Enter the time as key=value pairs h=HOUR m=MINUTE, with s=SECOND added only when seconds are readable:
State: h=8 m=50
